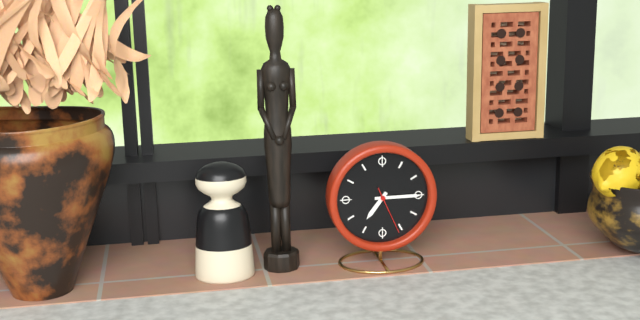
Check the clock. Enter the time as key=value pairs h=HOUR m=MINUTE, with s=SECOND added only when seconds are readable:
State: h=7 m=15
